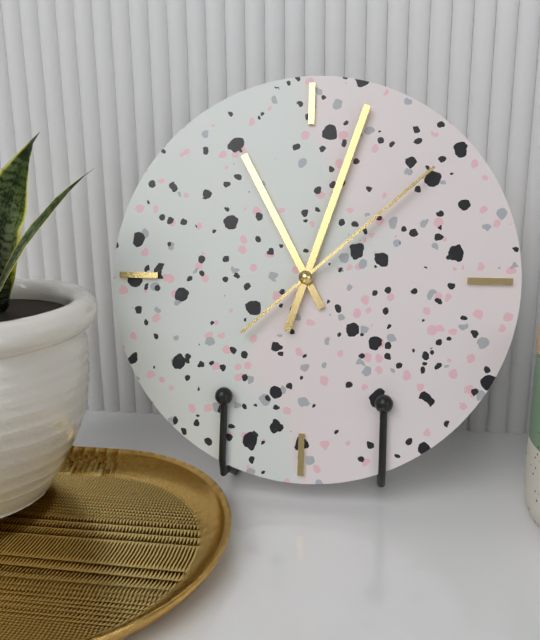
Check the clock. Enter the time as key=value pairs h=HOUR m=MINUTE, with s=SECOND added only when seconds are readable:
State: h=11 m=3 s=8
